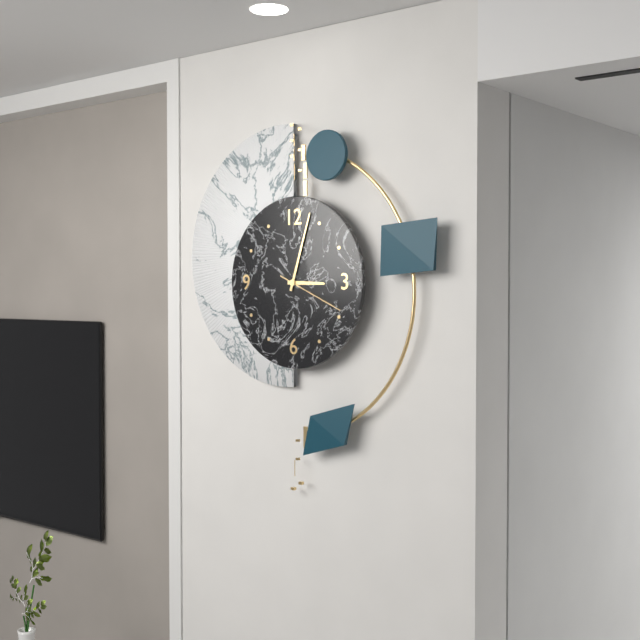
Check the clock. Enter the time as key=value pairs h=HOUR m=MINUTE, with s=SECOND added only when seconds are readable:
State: h=3 m=3 s=19
